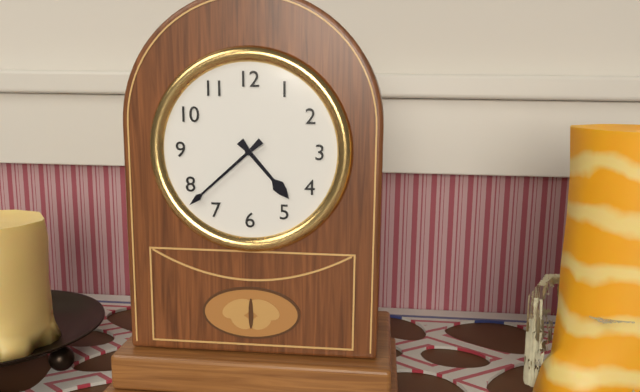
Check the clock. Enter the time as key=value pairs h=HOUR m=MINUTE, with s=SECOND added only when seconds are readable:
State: h=4 m=38
